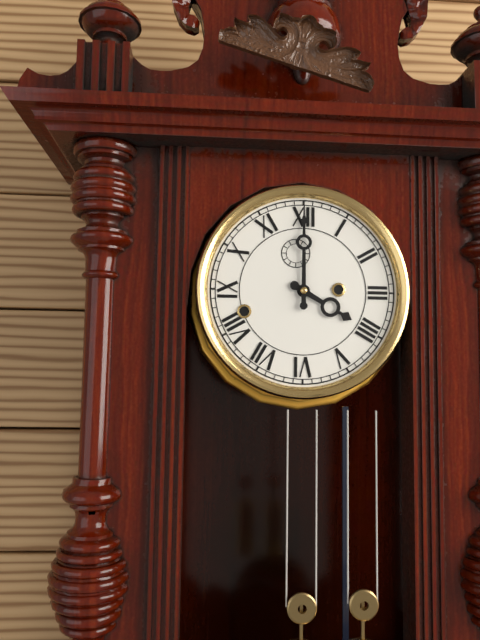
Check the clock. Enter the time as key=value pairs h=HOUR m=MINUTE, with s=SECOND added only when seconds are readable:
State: h=4 m=0
